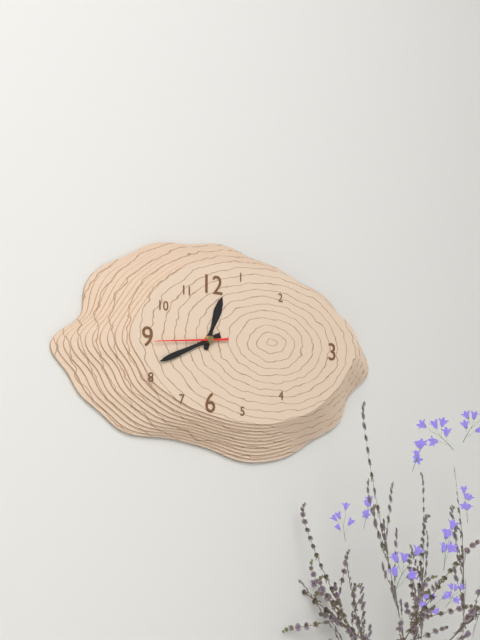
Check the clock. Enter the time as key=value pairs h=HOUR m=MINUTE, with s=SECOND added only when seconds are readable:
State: h=12 m=41 s=44
